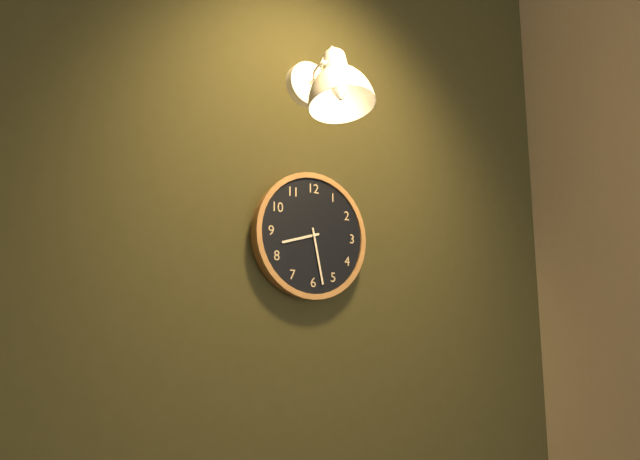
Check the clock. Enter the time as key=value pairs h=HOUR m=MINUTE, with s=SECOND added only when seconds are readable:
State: h=8 m=28
